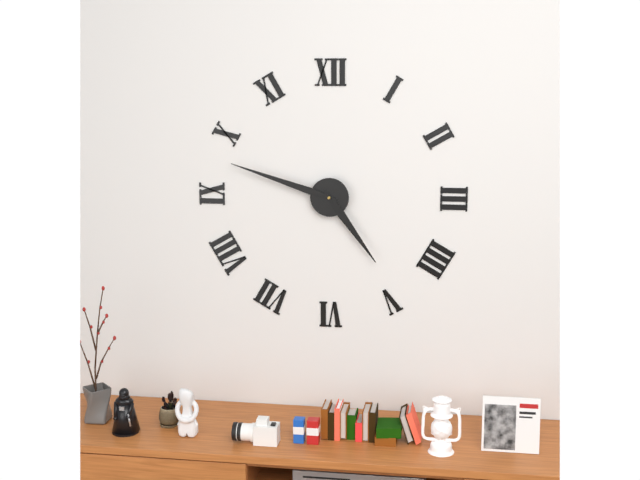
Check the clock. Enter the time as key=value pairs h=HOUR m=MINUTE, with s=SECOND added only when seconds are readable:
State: h=4 m=48
